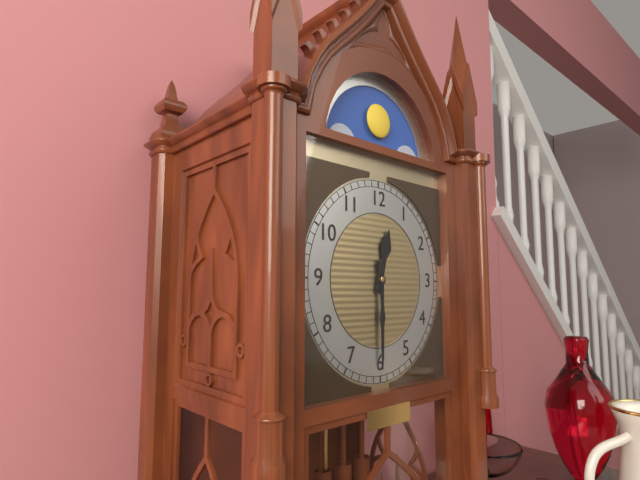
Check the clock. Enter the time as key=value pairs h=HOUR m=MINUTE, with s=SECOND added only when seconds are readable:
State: h=12 m=30
